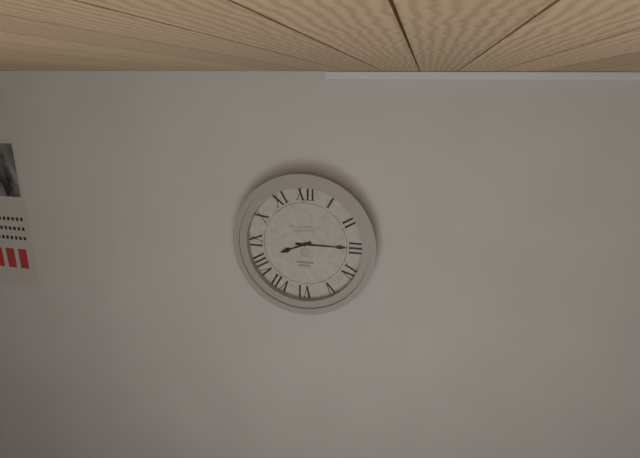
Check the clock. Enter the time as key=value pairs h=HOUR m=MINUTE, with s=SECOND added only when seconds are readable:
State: h=8 m=15
